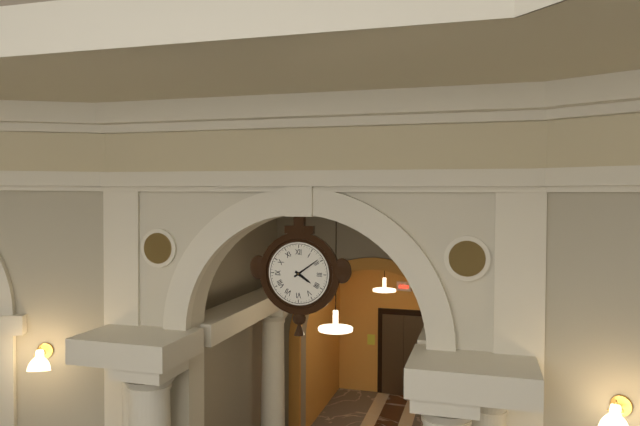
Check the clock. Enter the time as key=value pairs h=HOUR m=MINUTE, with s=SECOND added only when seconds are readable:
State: h=4 m=9
